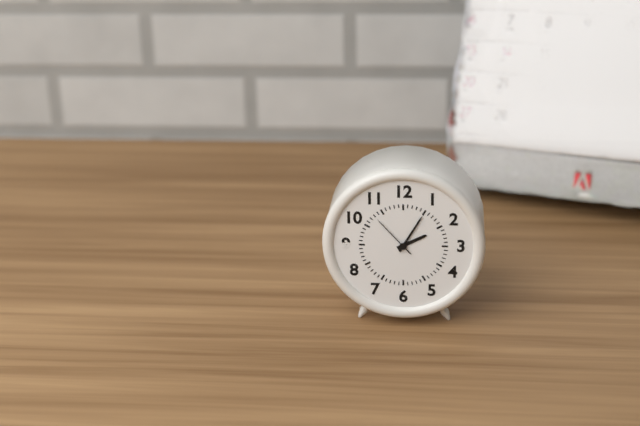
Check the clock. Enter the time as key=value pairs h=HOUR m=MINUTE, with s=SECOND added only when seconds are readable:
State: h=2 m=5
